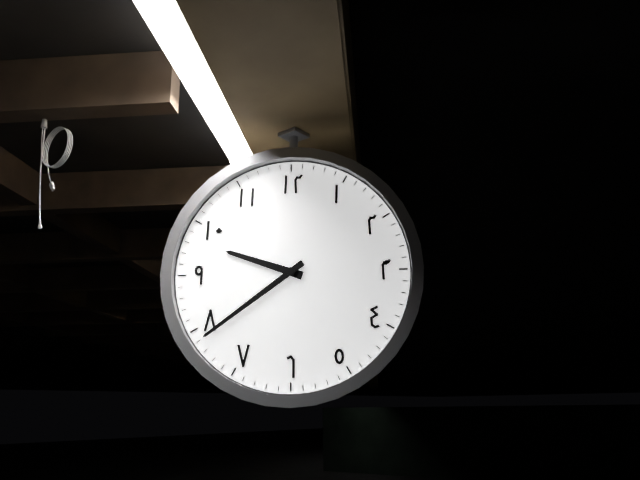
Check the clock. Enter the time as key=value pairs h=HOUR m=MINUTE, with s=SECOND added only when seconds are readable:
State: h=9 m=39
